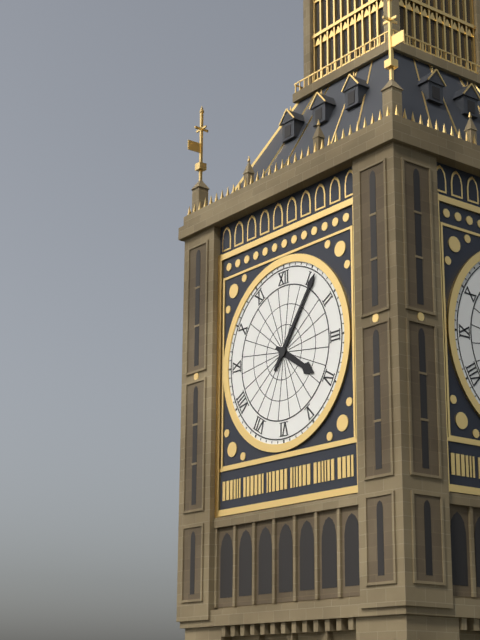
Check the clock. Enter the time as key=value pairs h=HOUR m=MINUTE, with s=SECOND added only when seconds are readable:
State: h=4 m=6
